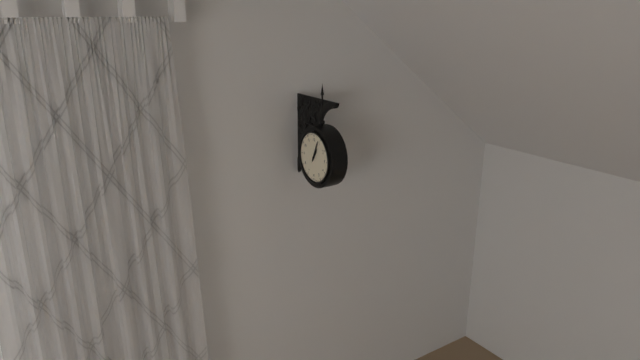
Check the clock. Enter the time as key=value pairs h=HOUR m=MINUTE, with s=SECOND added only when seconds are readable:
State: h=1 m=4
